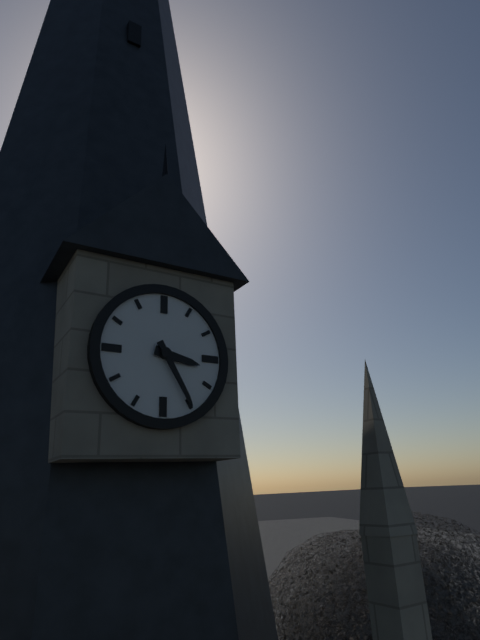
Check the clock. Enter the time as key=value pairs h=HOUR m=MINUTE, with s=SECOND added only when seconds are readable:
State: h=3 m=25
